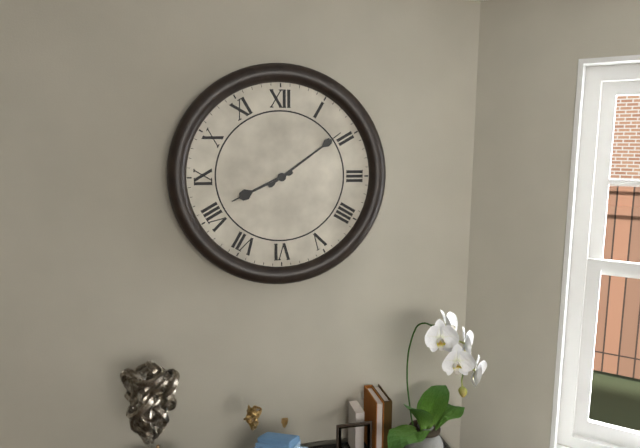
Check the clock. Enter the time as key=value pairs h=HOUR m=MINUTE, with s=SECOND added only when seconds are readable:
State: h=8 m=9
